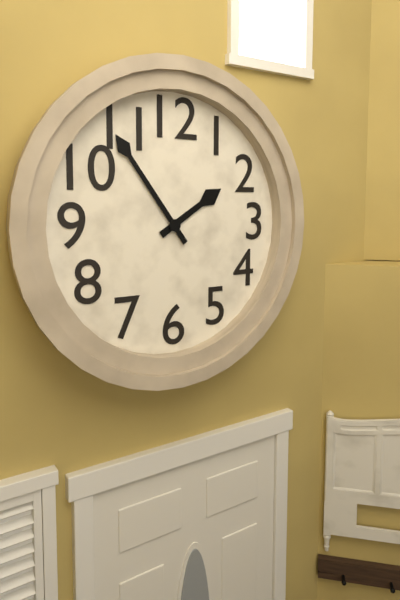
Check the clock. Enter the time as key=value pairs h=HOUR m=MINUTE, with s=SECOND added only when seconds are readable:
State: h=1 m=54
